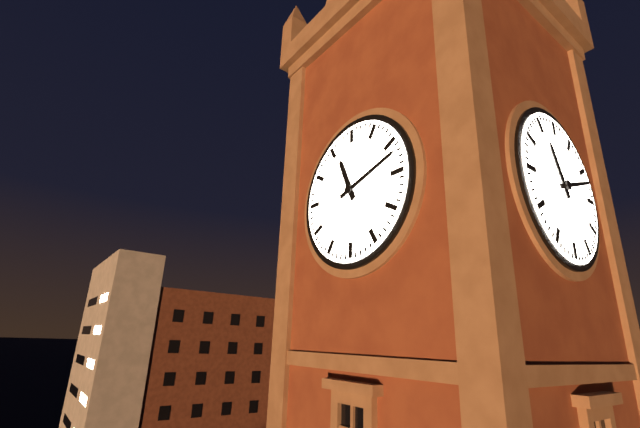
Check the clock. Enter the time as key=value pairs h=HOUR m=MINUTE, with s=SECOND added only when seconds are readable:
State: h=11 m=12
